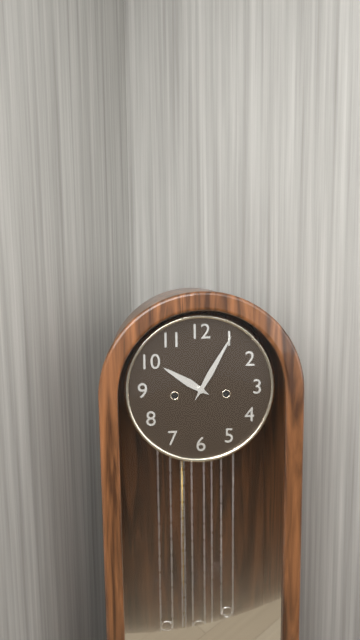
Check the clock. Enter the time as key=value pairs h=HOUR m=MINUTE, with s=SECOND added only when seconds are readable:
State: h=10 m=5
